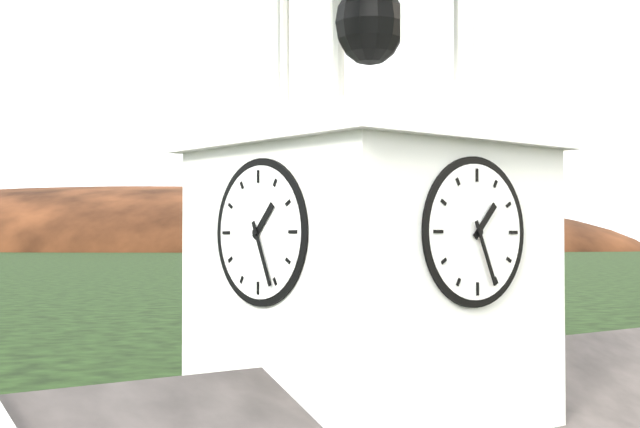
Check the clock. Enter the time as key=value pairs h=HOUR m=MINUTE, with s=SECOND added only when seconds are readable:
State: h=1 m=26
